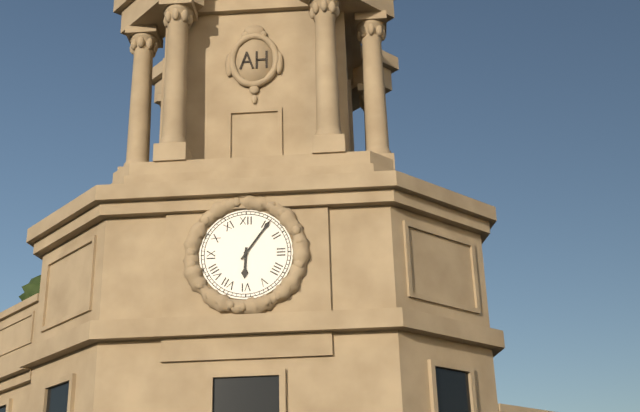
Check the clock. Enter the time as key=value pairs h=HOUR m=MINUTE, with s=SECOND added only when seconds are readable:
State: h=6 m=6
